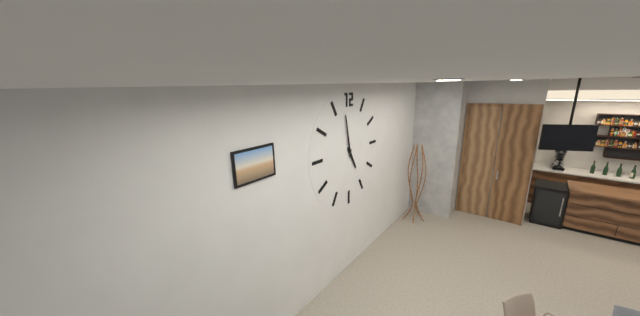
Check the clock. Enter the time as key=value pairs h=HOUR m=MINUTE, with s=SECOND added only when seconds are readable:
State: h=4 m=58
